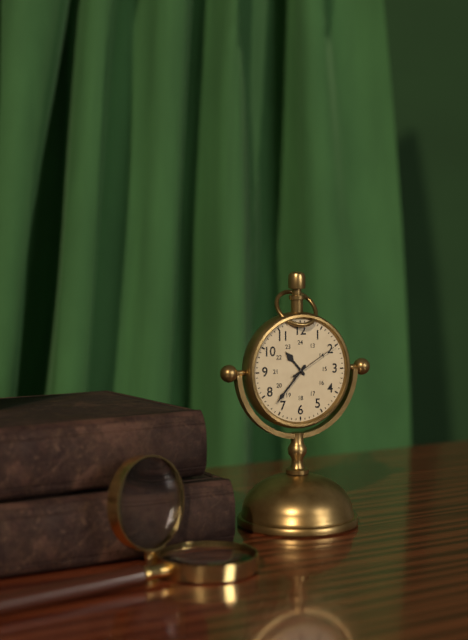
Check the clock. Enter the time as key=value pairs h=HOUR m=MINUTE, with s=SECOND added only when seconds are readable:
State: h=10 m=37 s=10
